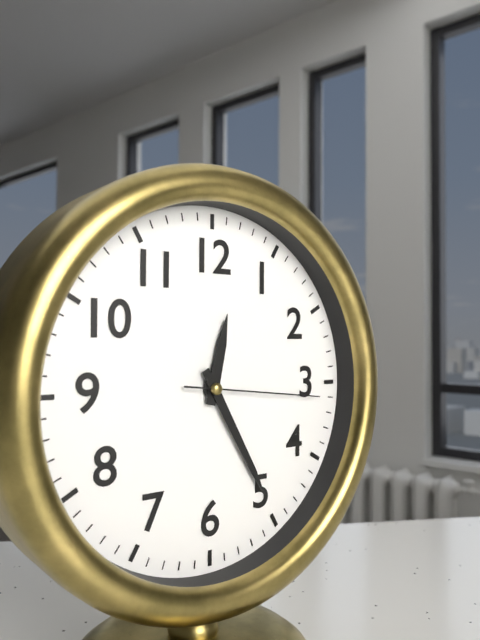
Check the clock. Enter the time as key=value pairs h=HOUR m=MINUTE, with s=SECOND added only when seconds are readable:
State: h=12 m=25 s=16
